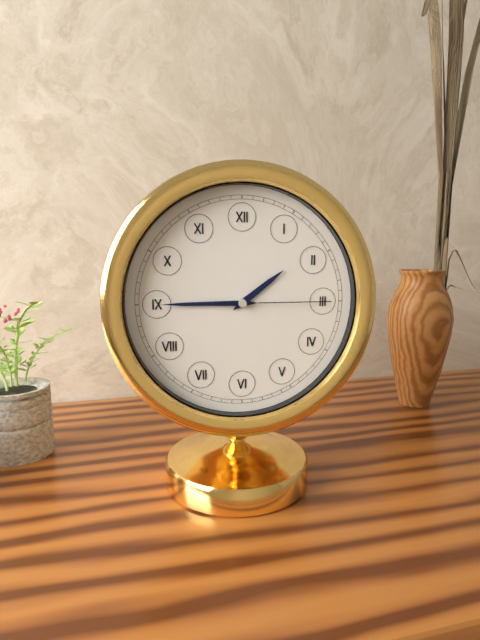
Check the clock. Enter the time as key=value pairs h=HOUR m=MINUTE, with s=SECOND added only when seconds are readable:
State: h=1 m=45 s=15
